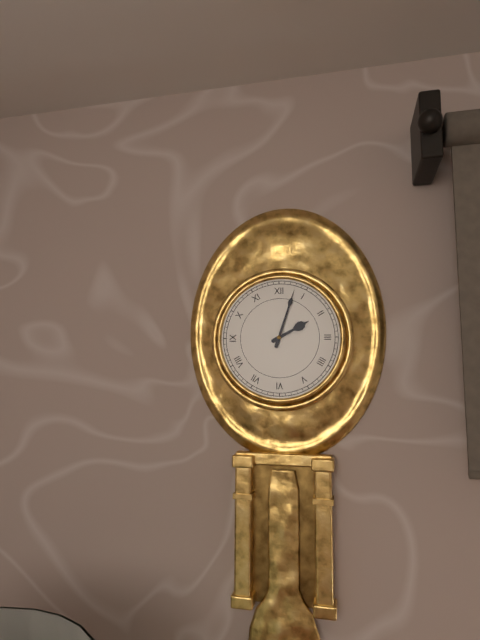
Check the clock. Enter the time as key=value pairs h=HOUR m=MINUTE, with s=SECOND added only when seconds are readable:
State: h=2 m=3
